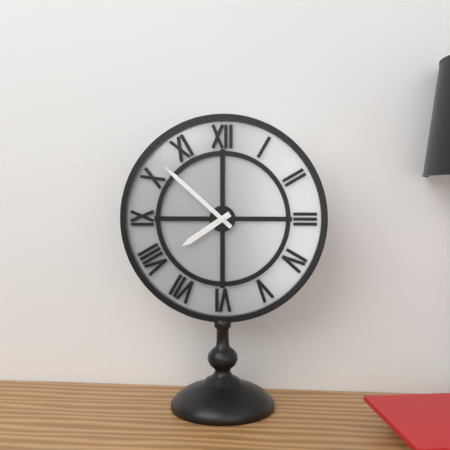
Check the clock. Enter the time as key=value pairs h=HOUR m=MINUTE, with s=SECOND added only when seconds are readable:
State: h=7 m=52
